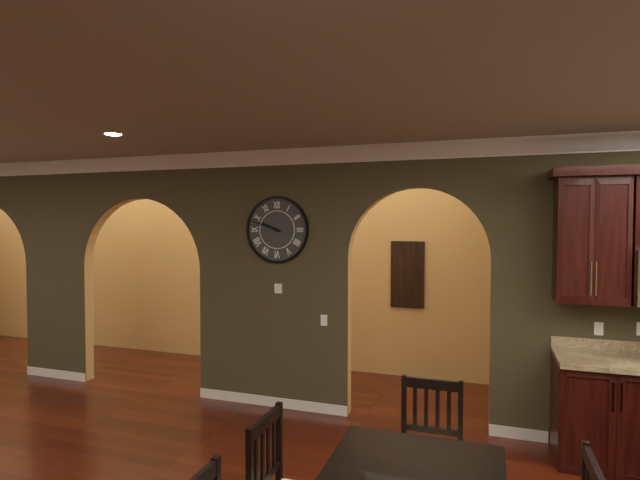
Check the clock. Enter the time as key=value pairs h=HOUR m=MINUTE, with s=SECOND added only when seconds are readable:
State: h=9 m=48
